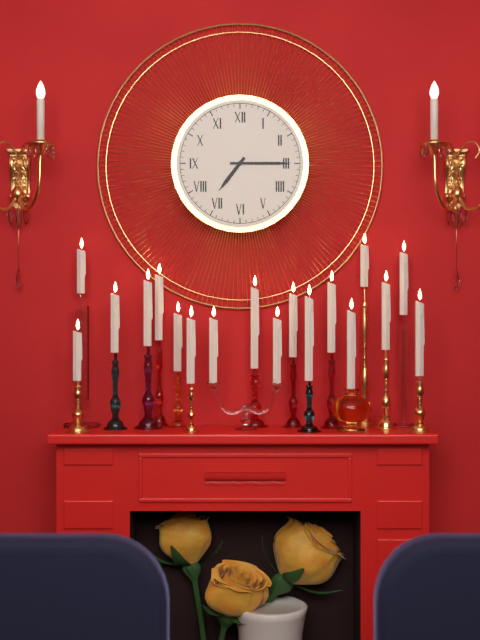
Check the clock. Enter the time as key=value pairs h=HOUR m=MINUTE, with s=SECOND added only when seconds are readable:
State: h=7 m=15
